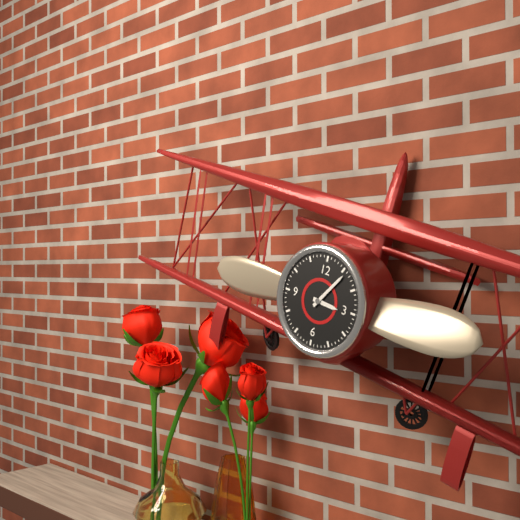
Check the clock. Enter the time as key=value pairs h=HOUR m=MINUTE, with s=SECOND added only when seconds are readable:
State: h=3 m=6
